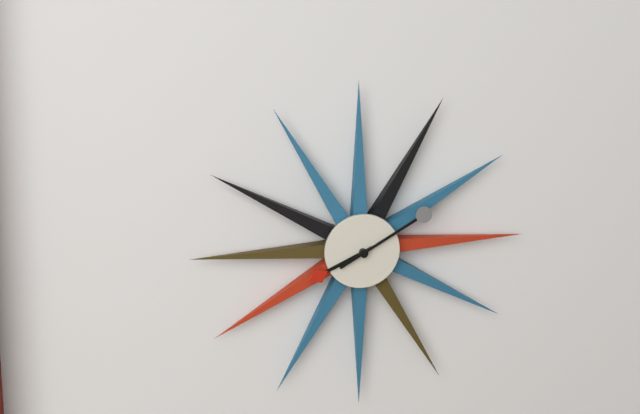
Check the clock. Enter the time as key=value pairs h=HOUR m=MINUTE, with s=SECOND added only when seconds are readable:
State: h=8 m=10
